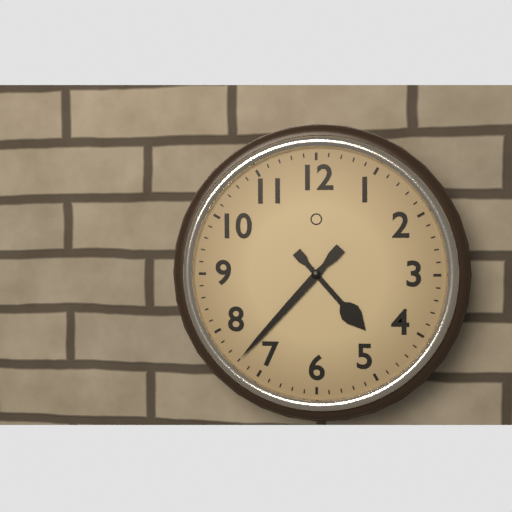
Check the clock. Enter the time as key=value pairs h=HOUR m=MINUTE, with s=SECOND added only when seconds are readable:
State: h=4 m=37
